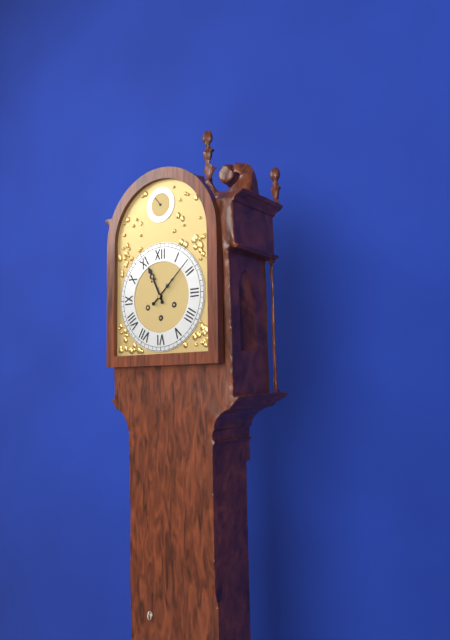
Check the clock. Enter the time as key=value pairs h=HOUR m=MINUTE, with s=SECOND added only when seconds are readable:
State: h=11 m=8
